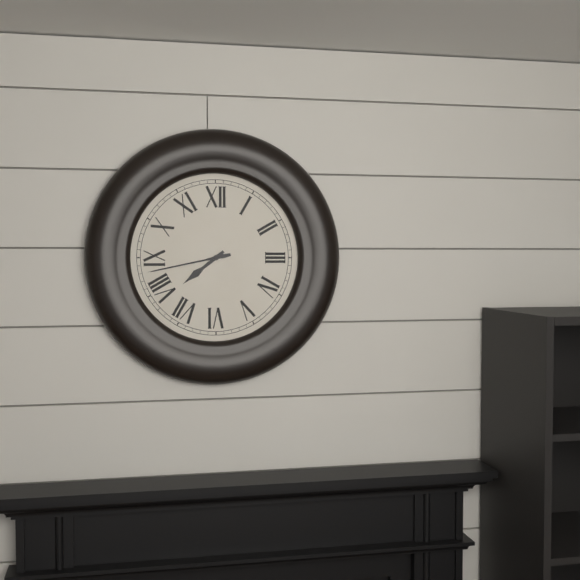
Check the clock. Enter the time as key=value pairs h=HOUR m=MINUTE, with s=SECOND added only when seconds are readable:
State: h=7 m=43
